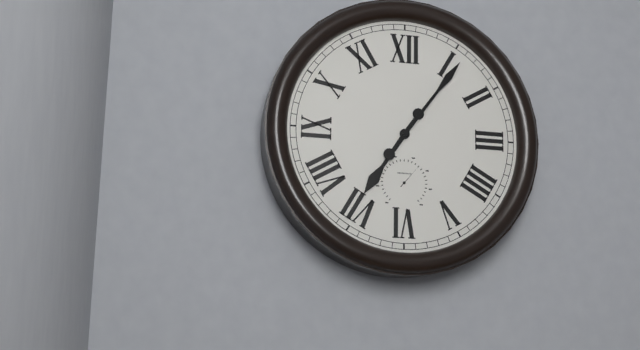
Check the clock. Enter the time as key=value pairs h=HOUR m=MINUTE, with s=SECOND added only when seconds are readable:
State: h=7 m=6
